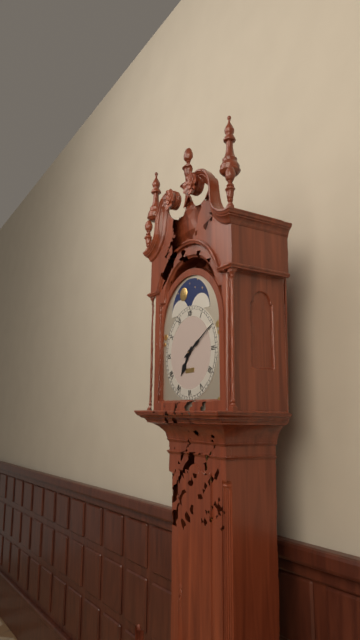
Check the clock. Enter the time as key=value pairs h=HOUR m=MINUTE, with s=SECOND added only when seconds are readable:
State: h=7 m=10
